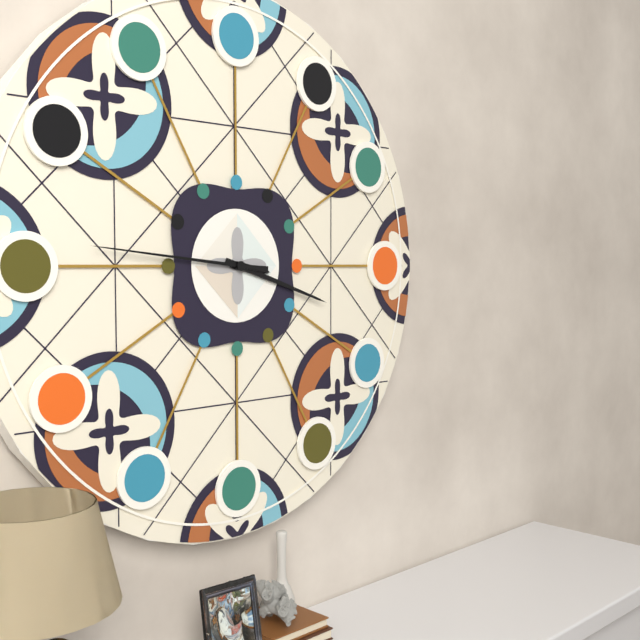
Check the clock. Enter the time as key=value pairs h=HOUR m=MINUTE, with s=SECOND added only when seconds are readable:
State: h=3 m=18 s=46
